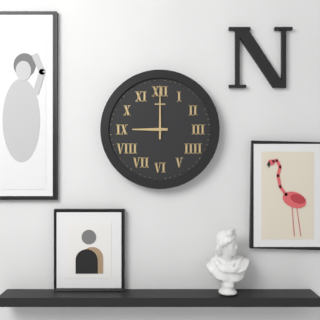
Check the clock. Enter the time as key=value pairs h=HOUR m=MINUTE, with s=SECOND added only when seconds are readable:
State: h=9 m=0
